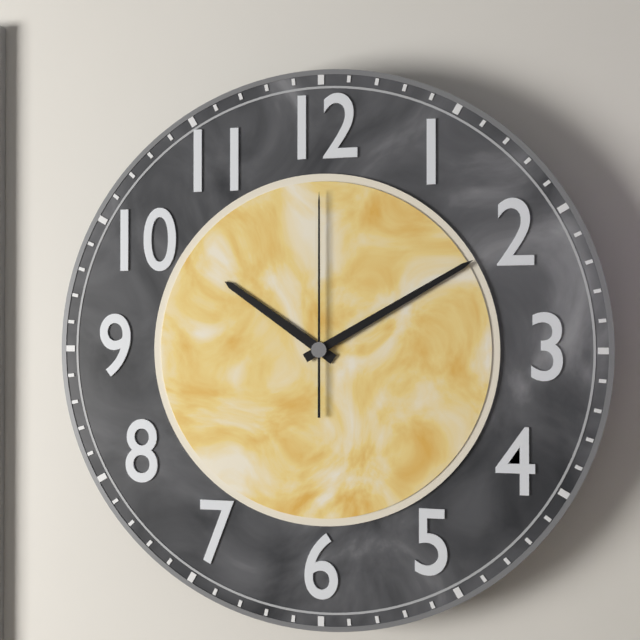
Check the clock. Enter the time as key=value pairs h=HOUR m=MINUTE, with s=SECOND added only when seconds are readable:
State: h=10 m=10 s=0
